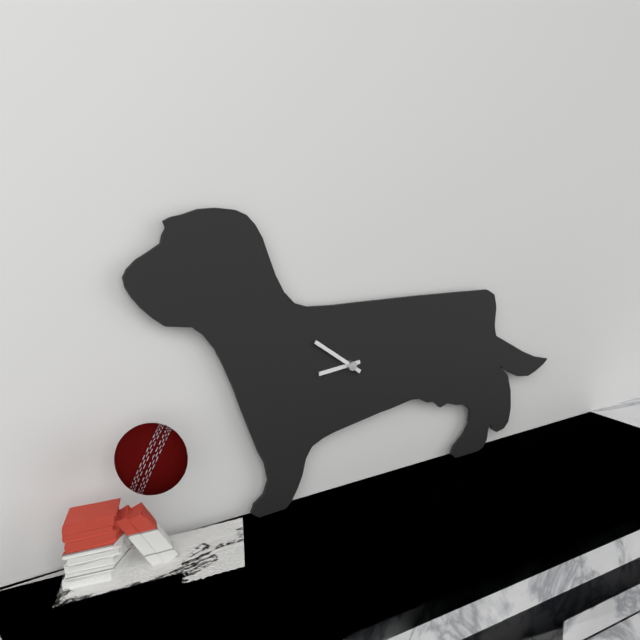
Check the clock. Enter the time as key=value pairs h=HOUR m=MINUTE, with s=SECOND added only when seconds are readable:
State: h=8 m=51
